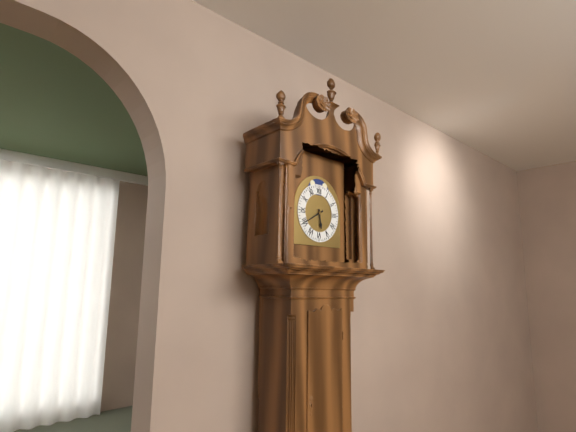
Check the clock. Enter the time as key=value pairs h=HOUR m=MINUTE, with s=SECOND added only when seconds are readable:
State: h=5 m=40
